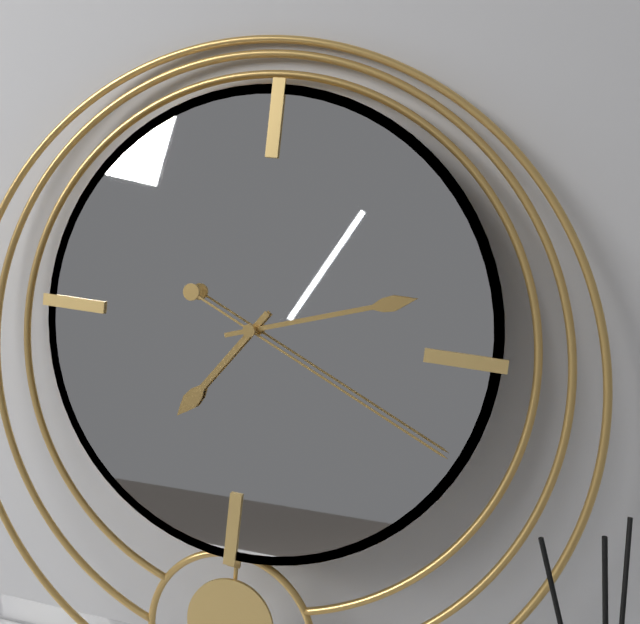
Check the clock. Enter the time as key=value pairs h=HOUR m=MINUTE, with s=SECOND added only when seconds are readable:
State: h=7 m=12 s=19
